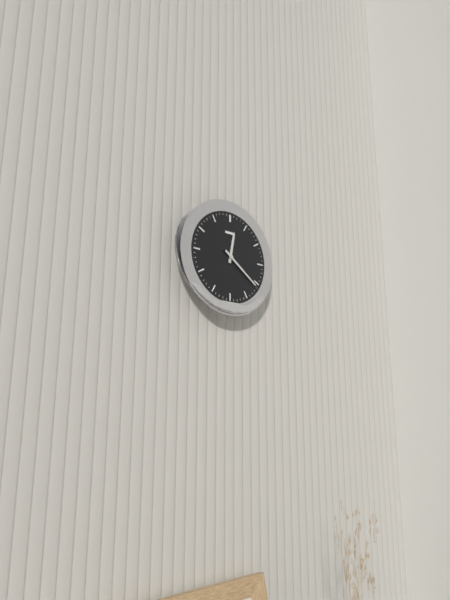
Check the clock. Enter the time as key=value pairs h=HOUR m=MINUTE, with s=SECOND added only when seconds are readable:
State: h=12 m=21
